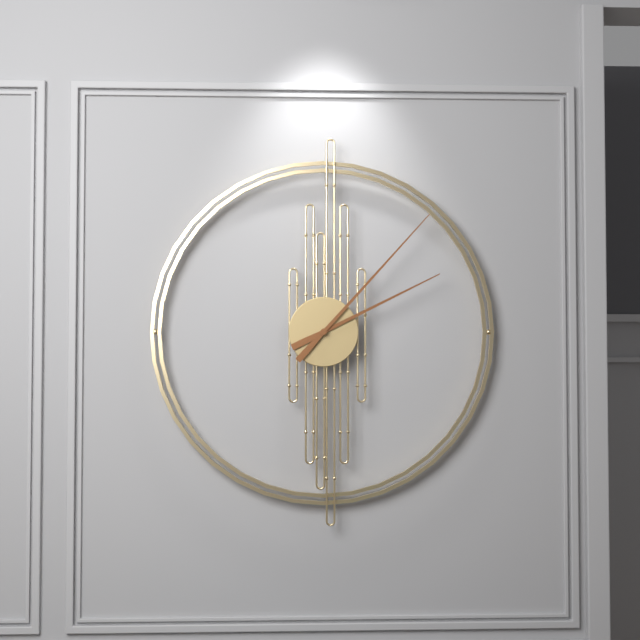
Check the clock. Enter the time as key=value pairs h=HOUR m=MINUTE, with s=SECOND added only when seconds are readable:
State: h=2 m=7
